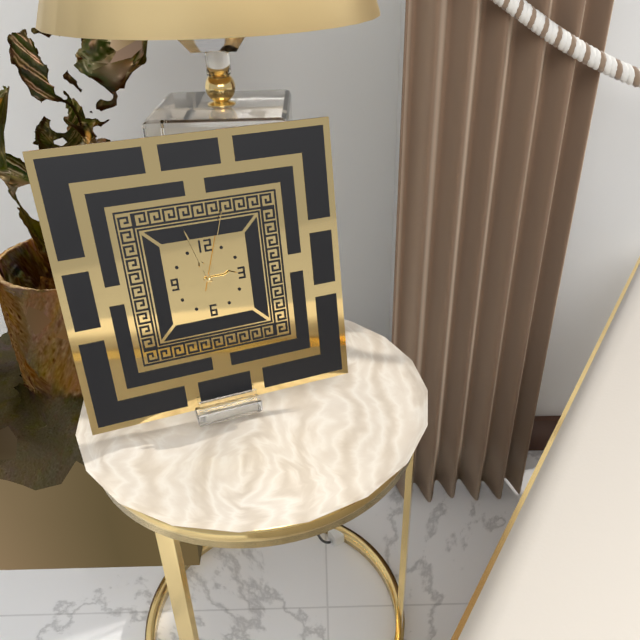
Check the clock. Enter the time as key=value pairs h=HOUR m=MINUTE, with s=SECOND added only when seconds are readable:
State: h=2 m=57 s=3
